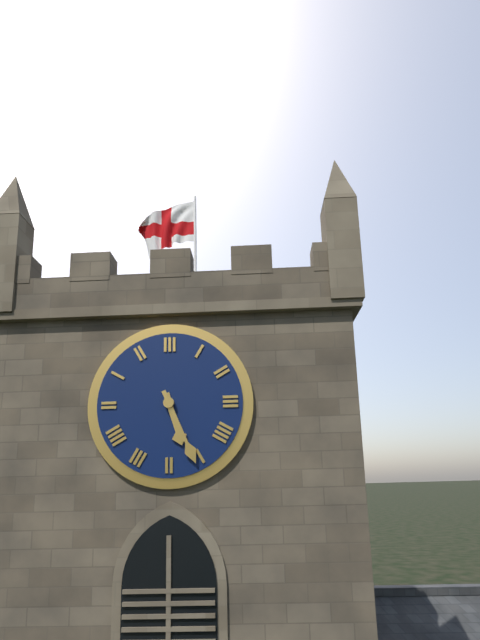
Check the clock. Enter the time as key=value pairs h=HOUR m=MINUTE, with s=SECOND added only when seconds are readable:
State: h=5 m=26
